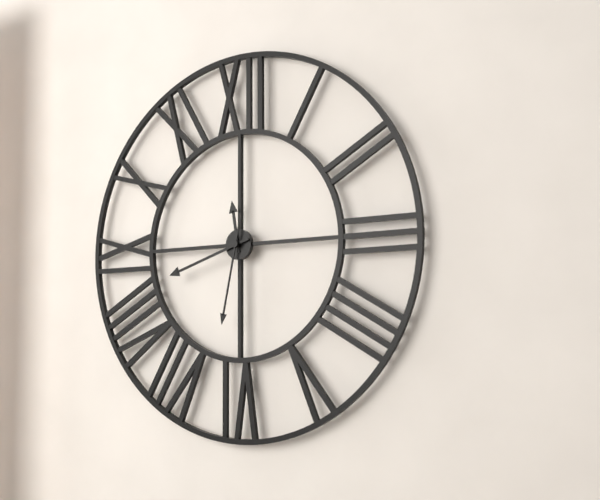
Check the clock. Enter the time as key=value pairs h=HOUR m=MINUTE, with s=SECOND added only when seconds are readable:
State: h=11 m=42 s=32
